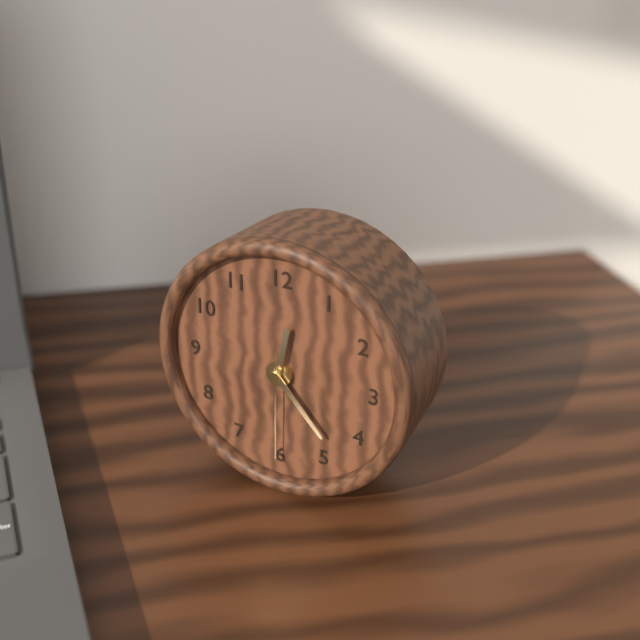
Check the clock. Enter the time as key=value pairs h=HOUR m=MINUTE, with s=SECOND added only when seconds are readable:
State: h=12 m=23 s=30
